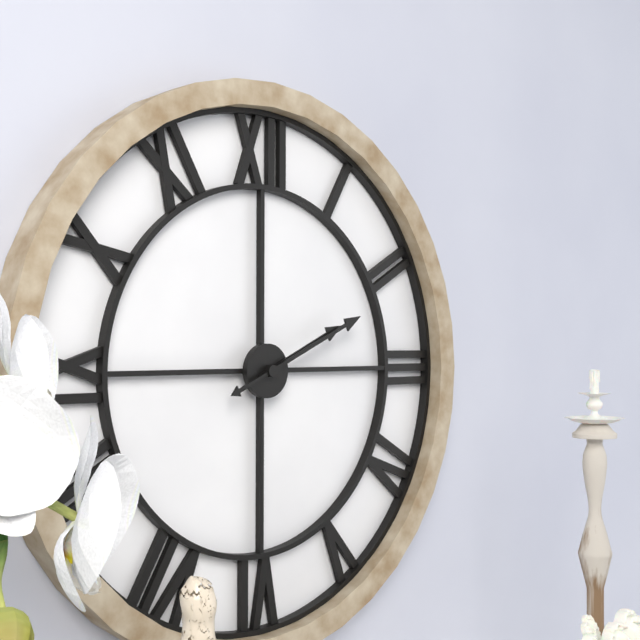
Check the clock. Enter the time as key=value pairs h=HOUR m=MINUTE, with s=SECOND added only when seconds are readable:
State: h=2 m=11
